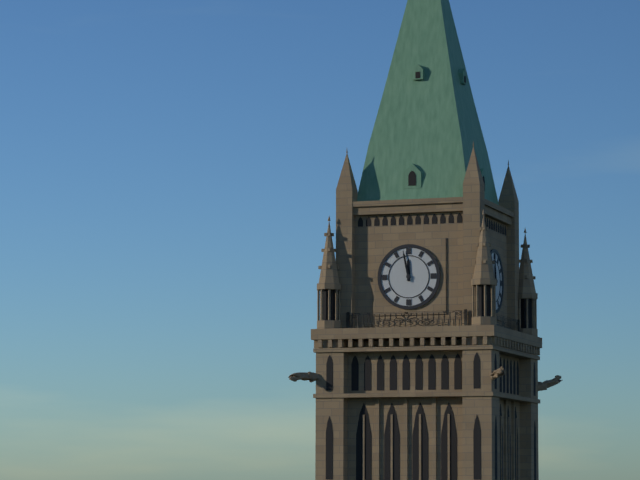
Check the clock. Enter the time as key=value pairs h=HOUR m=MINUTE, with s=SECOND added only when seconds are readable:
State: h=11 m=58
